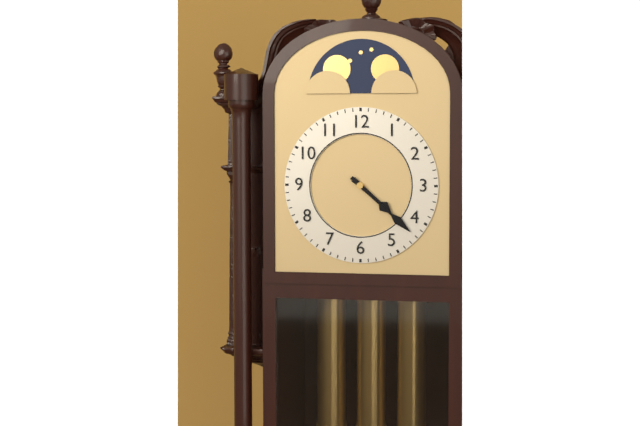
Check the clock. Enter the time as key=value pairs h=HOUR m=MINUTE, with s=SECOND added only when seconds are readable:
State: h=4 m=22
